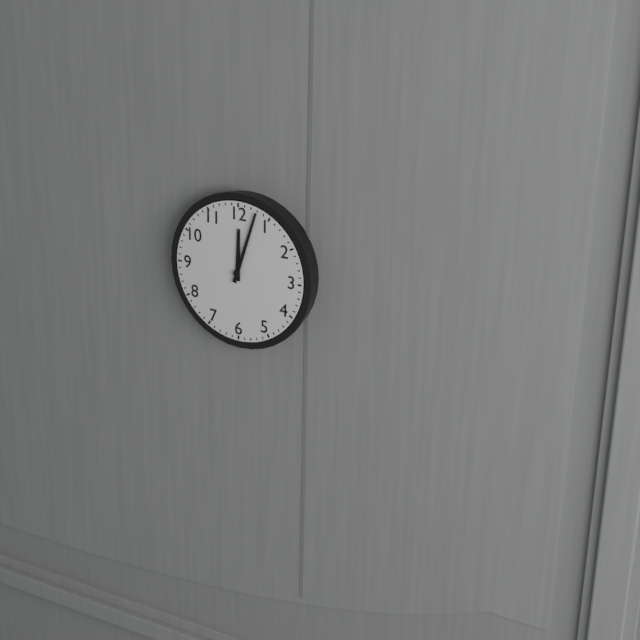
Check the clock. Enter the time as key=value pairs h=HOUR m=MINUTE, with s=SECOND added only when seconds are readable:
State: h=12 m=3
